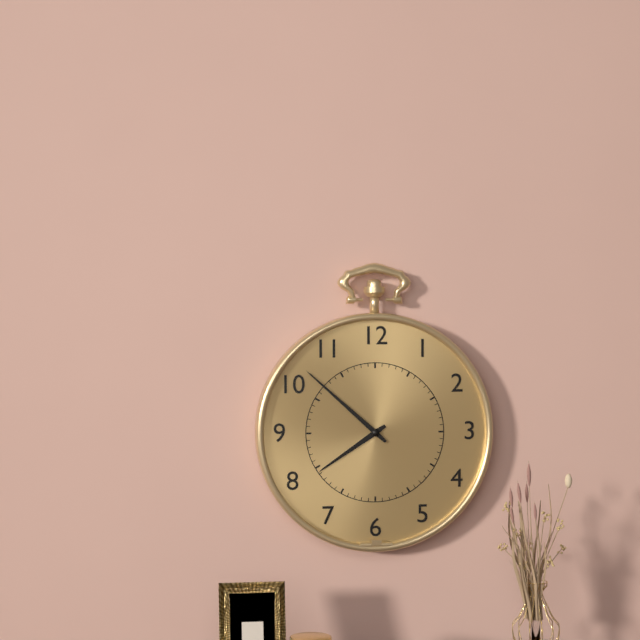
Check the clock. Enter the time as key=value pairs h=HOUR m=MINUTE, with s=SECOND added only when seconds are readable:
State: h=7 m=52
